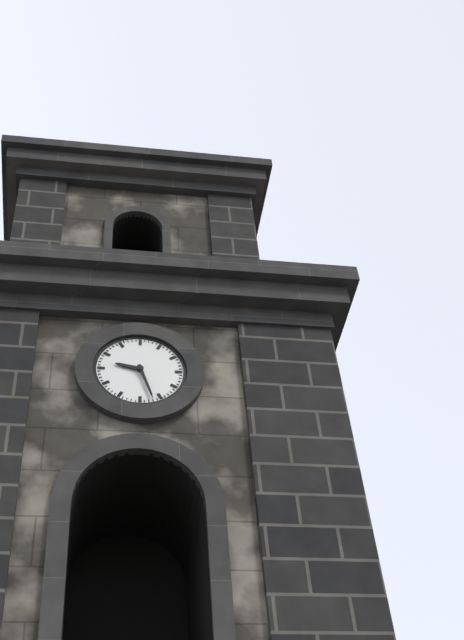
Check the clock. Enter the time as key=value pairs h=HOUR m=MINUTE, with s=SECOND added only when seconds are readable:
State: h=9 m=27
